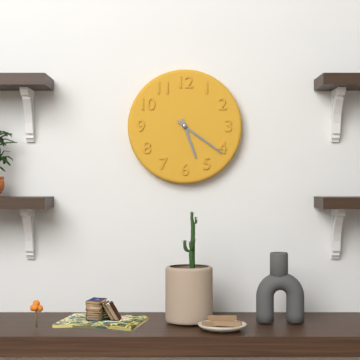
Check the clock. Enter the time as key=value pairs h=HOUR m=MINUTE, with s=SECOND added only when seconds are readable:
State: h=5 m=21
